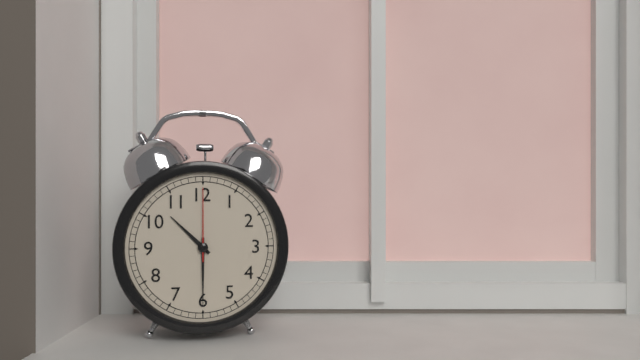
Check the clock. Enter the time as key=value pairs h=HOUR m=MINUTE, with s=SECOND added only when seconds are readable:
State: h=10 m=30 s=0
